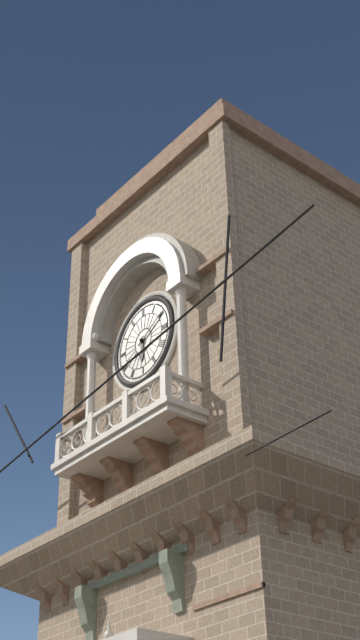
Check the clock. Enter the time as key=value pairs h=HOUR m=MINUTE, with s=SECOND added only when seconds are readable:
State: h=6 m=10
